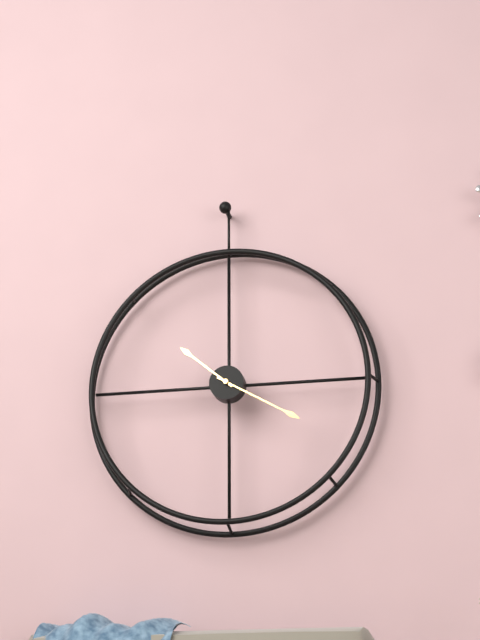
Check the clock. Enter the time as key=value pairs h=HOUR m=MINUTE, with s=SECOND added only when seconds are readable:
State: h=10 m=20
